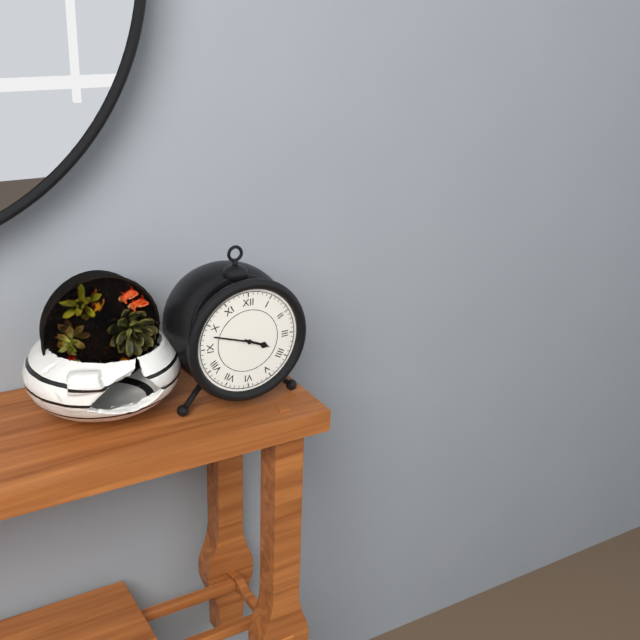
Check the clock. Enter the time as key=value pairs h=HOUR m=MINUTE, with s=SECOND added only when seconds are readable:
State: h=3 m=48
